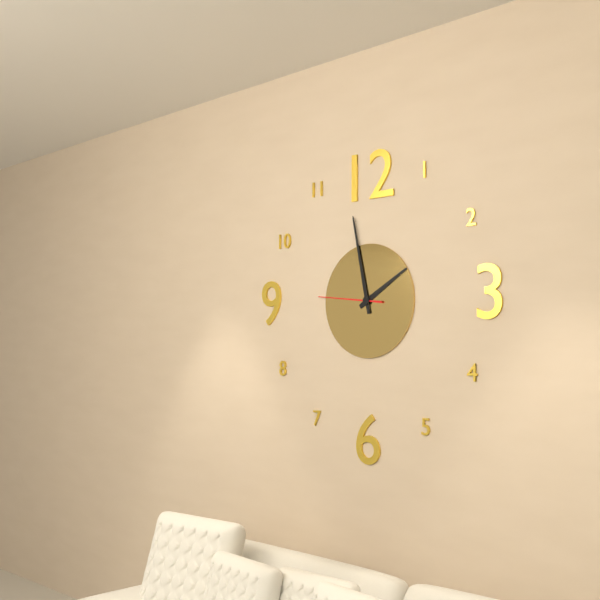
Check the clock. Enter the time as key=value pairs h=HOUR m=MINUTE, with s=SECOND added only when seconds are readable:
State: h=1 m=58 s=46
